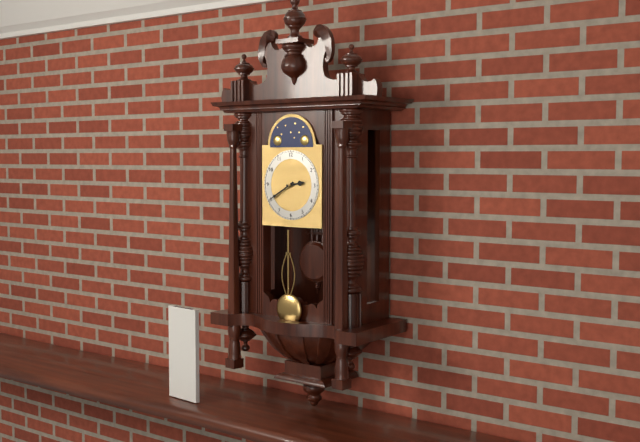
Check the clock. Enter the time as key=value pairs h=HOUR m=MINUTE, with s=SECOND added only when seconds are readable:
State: h=2 m=40
